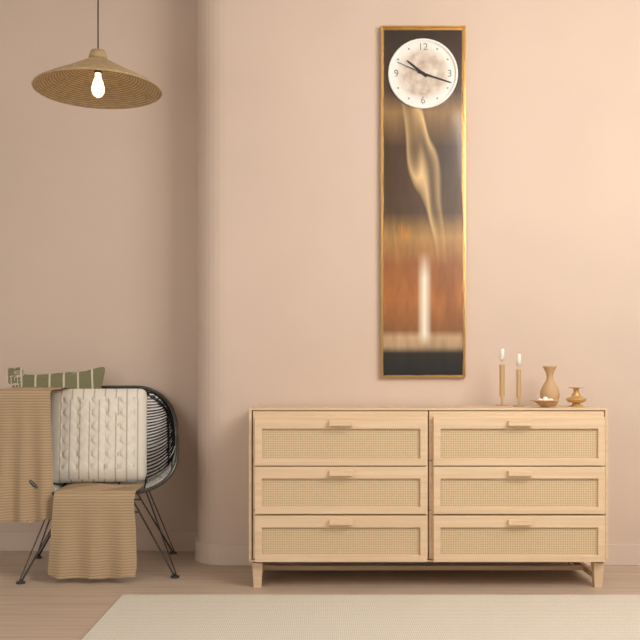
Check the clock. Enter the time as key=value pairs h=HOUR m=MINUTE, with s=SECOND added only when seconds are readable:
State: h=10 m=18
